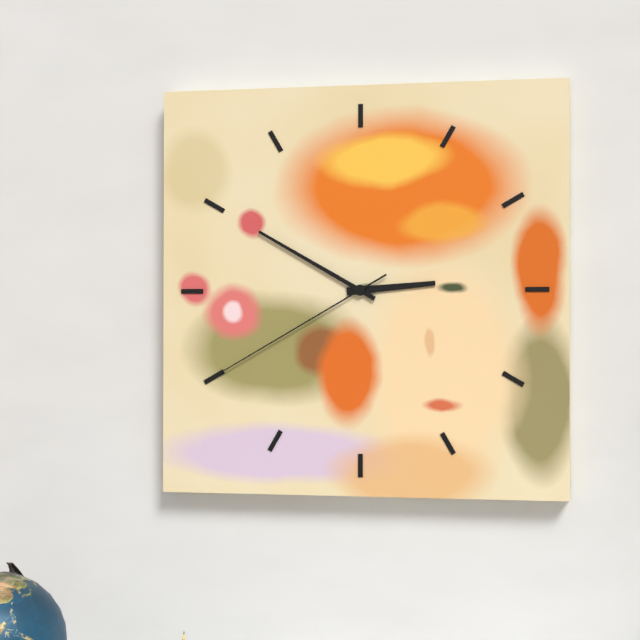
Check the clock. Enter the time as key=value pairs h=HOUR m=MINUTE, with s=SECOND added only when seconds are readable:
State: h=2 m=50 s=40
